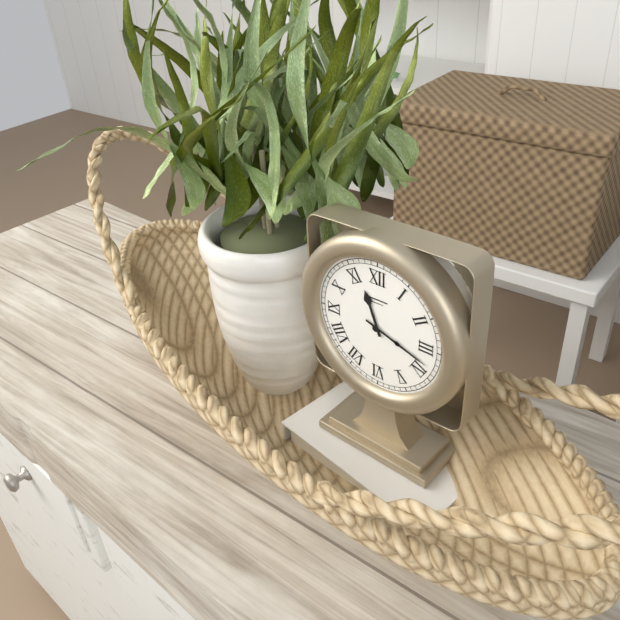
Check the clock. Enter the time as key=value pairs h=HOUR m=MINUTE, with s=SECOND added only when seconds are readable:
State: h=11 m=18
